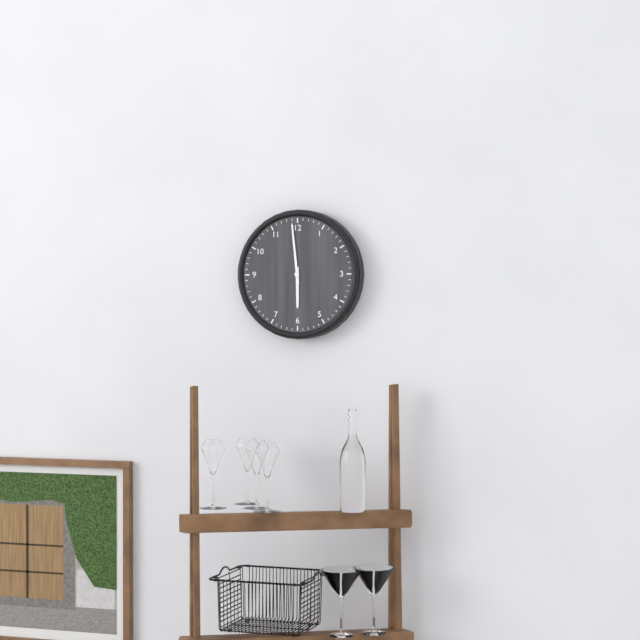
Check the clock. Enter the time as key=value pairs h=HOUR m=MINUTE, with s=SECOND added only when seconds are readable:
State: h=5 m=59
